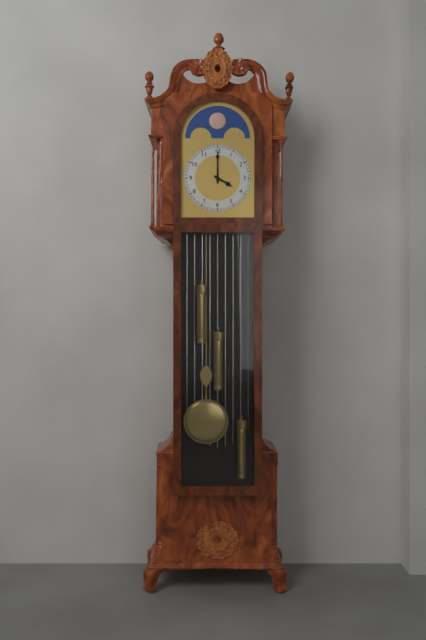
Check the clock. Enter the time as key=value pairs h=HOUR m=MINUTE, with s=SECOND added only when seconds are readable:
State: h=4 m=0
